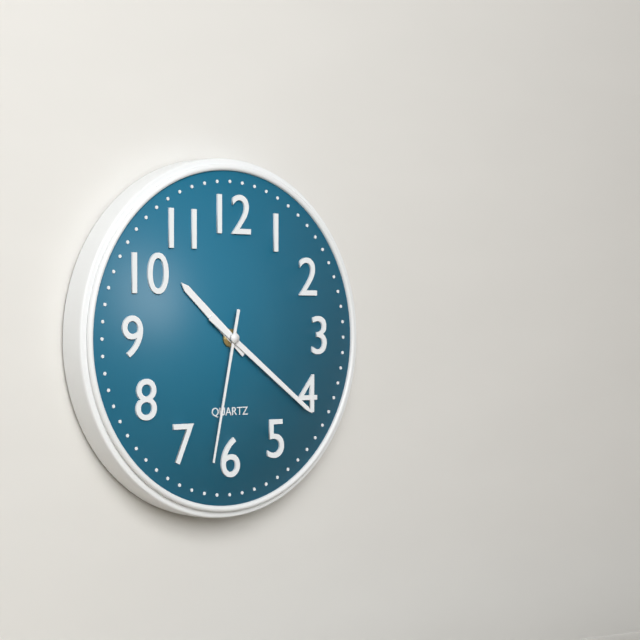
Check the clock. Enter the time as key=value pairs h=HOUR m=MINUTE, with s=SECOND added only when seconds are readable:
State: h=10 m=21 s=32
